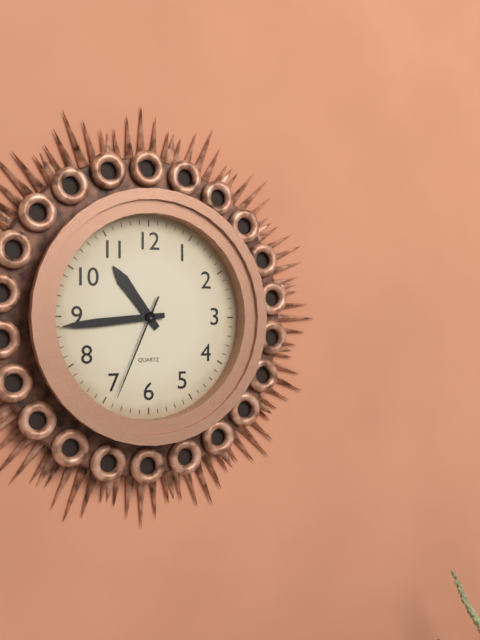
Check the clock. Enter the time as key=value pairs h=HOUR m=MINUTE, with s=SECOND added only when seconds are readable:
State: h=10 m=44 s=34
